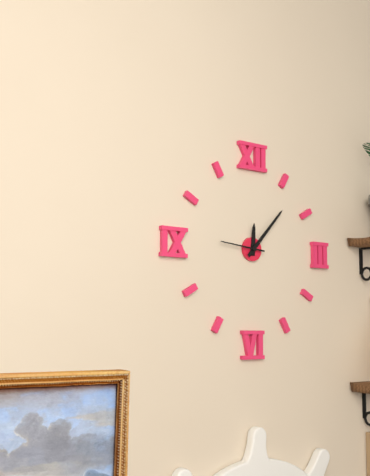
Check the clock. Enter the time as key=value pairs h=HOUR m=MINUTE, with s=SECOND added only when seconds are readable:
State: h=12 m=7
